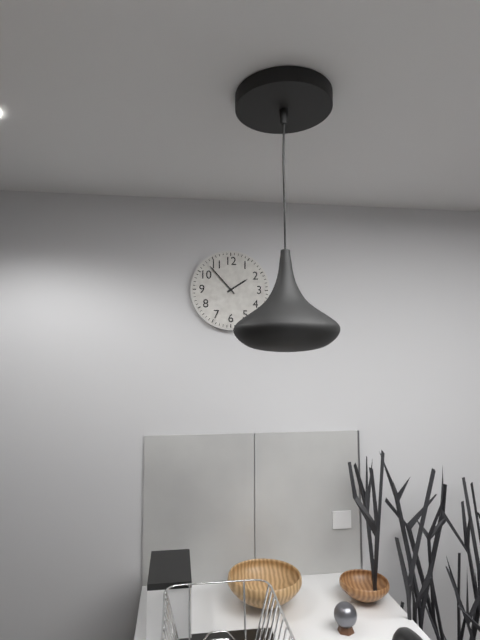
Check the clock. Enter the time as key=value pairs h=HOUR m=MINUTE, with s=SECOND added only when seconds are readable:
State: h=1 m=53
